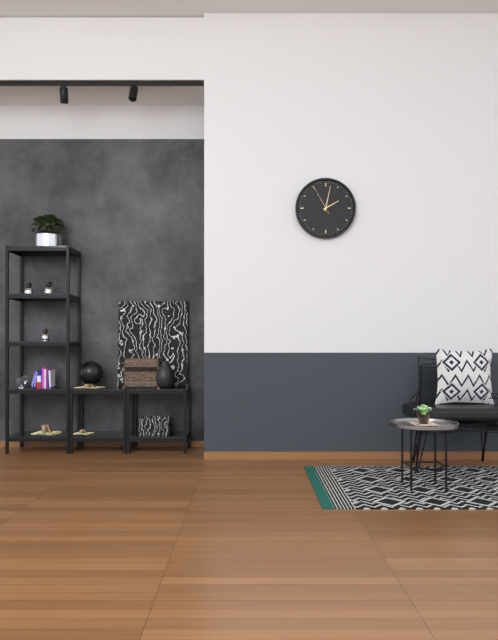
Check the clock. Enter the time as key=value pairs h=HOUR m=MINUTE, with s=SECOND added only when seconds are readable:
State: h=2 m=2
